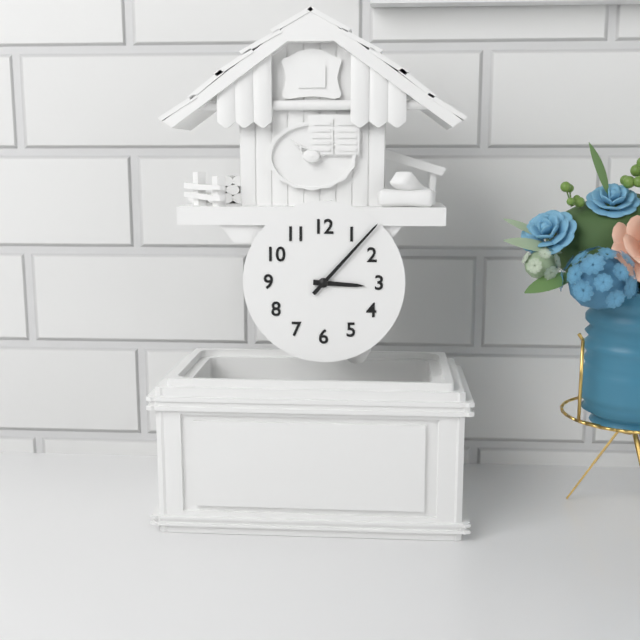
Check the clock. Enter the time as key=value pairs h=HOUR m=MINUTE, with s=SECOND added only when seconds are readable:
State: h=3 m=7
